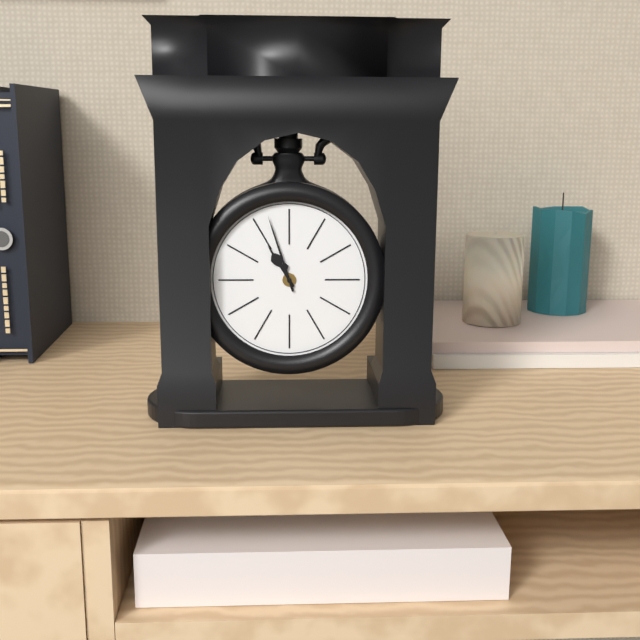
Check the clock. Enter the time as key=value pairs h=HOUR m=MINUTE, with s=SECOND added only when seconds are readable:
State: h=10 m=57
